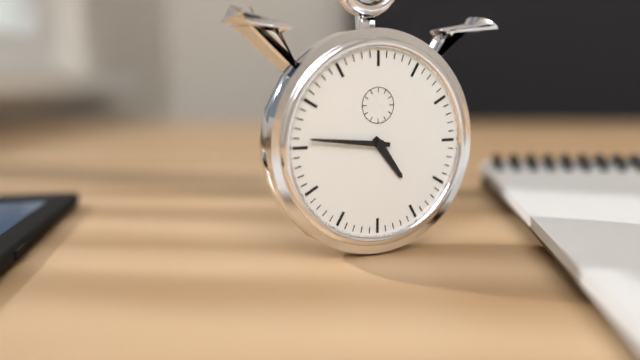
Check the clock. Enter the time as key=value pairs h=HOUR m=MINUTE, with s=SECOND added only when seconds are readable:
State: h=4 m=46
